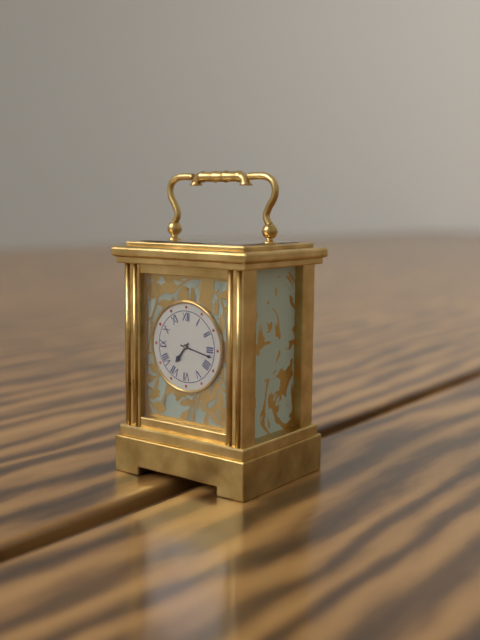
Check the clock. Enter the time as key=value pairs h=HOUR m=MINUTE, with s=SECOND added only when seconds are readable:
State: h=7 m=17
